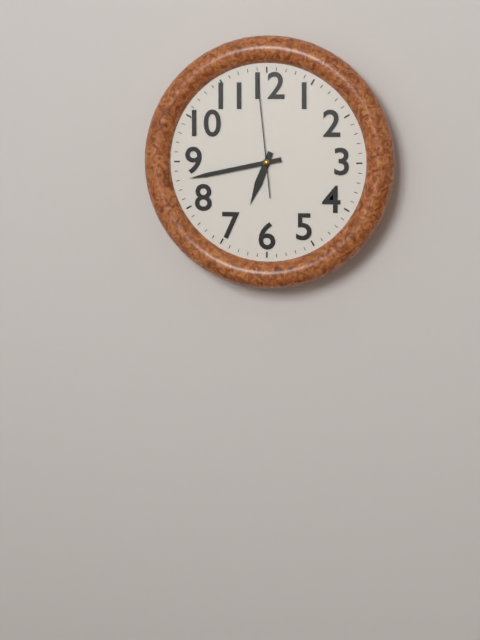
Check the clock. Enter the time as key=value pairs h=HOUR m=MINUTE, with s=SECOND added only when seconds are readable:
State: h=6 m=43 s=59
